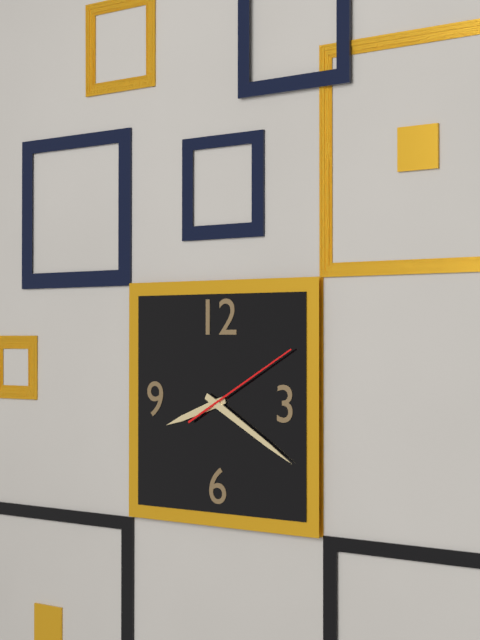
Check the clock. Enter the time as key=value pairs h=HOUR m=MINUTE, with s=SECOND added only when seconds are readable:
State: h=8 m=20 s=10
